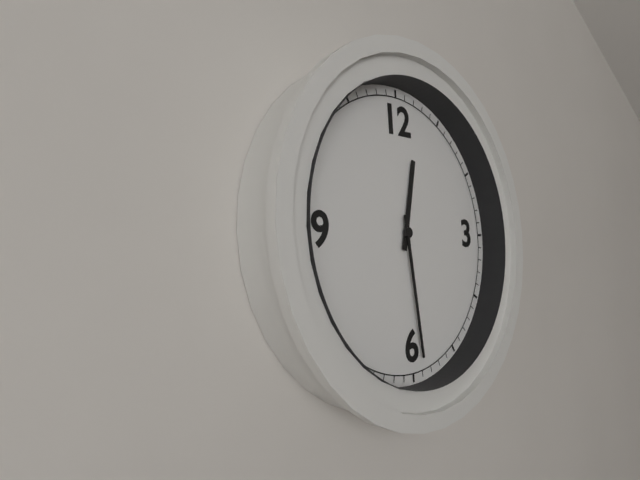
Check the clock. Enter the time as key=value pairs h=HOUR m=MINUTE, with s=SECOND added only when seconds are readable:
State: h=12 m=29
